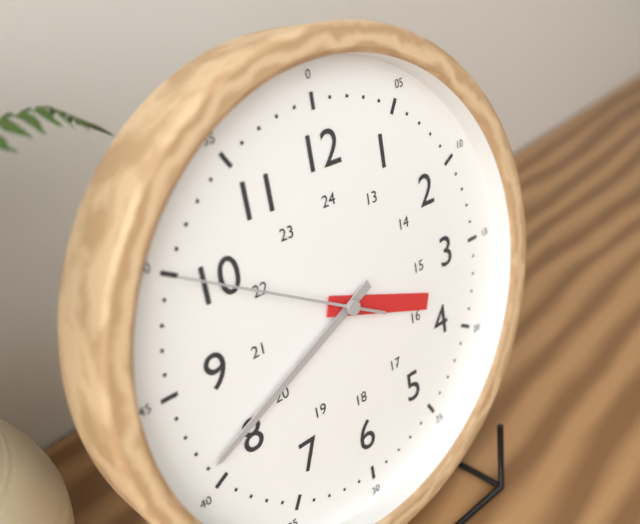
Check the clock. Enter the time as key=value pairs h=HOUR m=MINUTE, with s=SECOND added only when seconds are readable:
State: h=3 m=41 s=50
